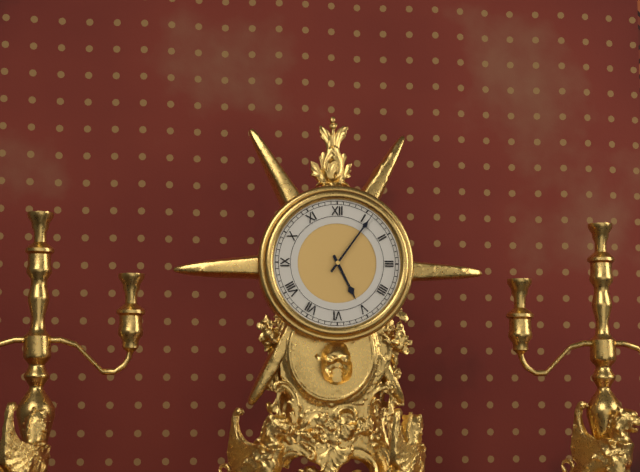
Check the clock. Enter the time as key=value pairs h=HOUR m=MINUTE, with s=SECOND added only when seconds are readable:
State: h=5 m=6
